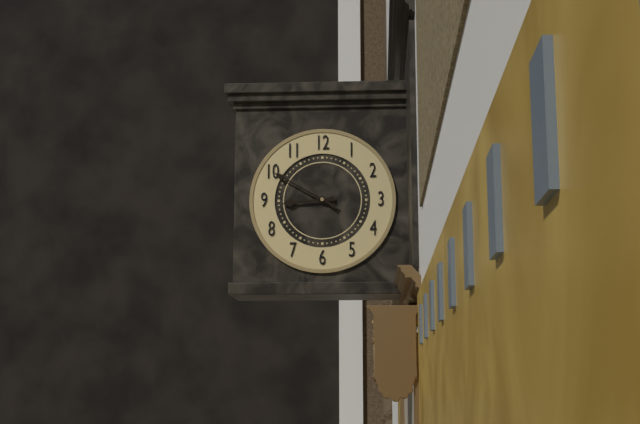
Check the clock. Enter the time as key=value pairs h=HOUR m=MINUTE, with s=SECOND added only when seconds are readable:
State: h=8 m=50
